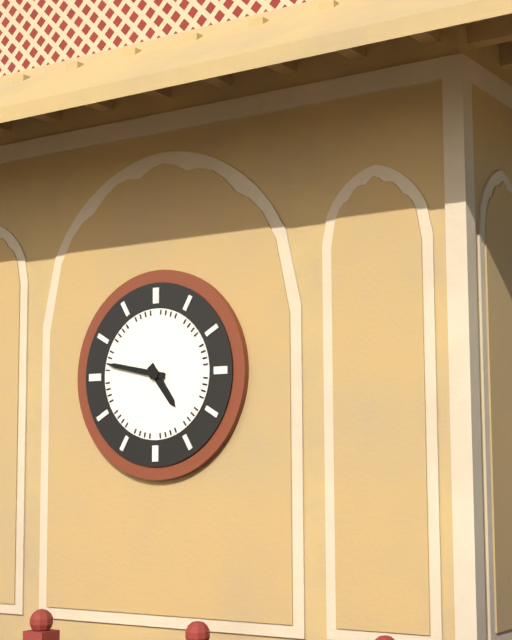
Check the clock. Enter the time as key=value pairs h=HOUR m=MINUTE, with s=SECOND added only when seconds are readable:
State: h=4 m=47
